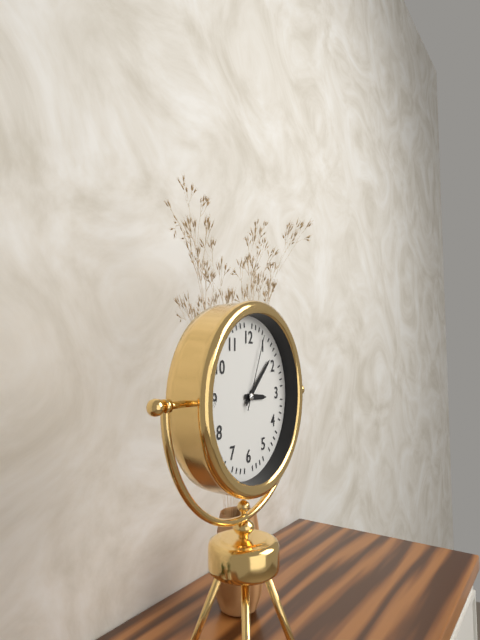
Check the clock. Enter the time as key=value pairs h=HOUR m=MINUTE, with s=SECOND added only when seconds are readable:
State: h=3 m=8 s=4
